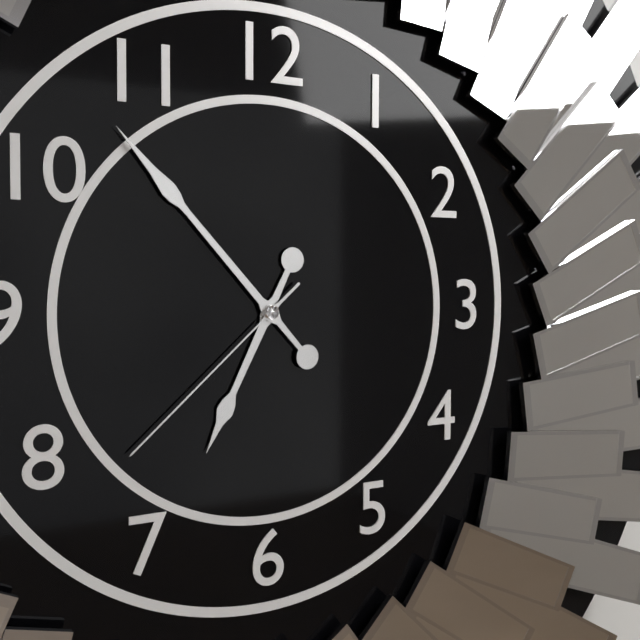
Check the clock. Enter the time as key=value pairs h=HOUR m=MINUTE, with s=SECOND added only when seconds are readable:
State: h=6 m=53 s=38
